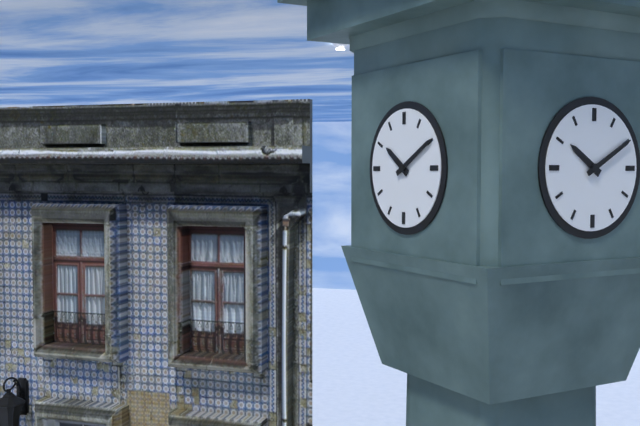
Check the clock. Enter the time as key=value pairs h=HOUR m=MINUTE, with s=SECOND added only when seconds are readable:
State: h=10 m=10
